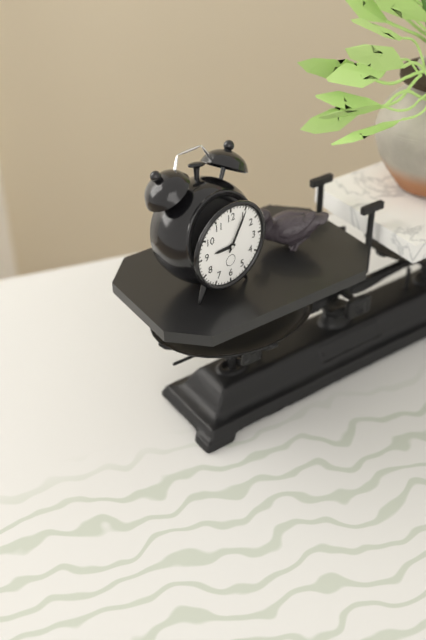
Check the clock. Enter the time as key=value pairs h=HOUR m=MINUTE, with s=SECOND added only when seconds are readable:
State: h=9 m=5
